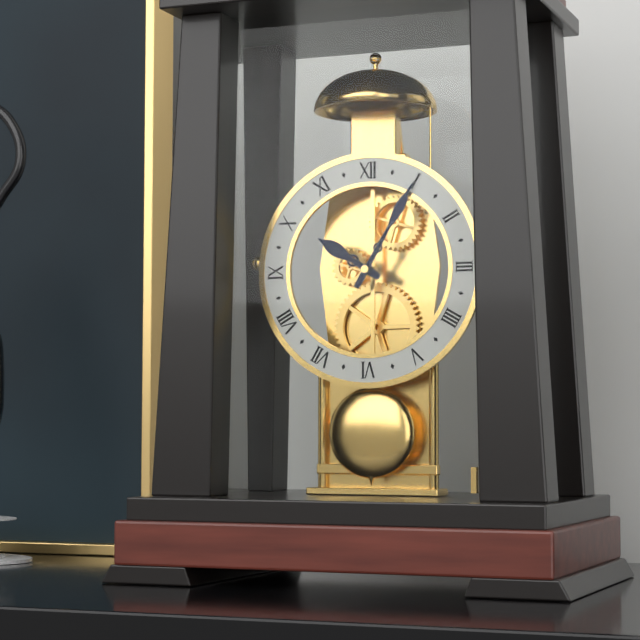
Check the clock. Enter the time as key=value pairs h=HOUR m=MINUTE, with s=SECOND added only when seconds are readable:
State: h=10 m=5
